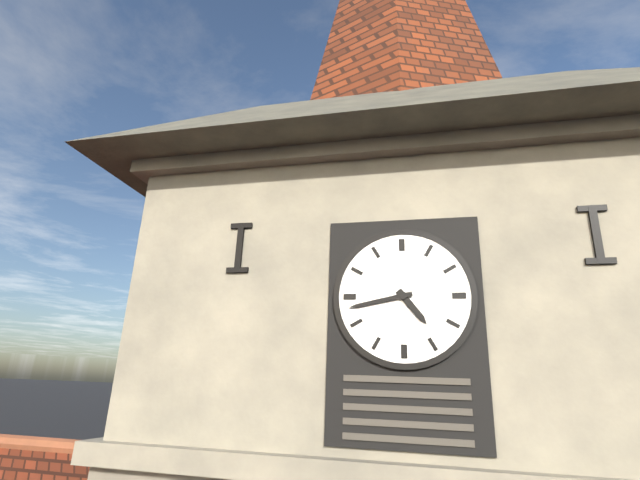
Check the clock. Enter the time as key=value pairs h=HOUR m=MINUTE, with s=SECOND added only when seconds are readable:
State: h=4 m=43
